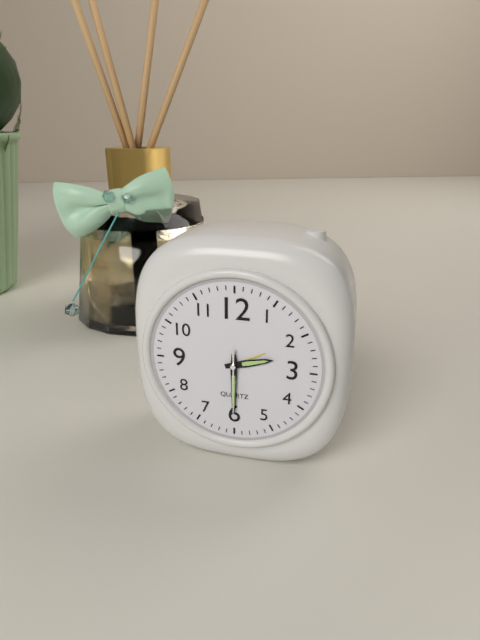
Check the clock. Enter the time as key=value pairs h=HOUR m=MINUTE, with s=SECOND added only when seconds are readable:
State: h=2 m=30 s=30
